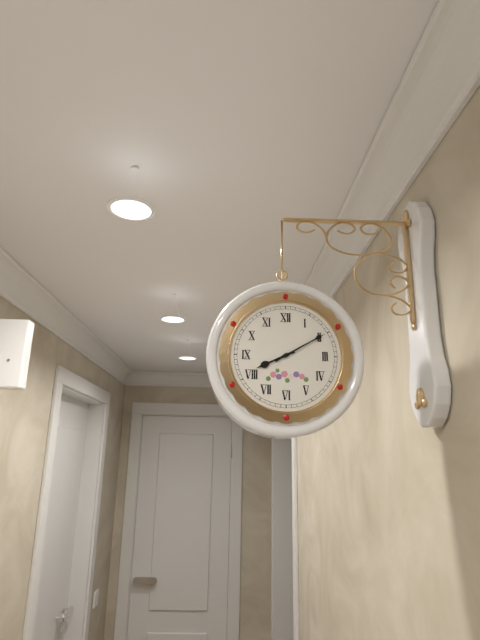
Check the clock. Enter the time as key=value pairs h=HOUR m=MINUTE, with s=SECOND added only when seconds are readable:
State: h=8 m=10
